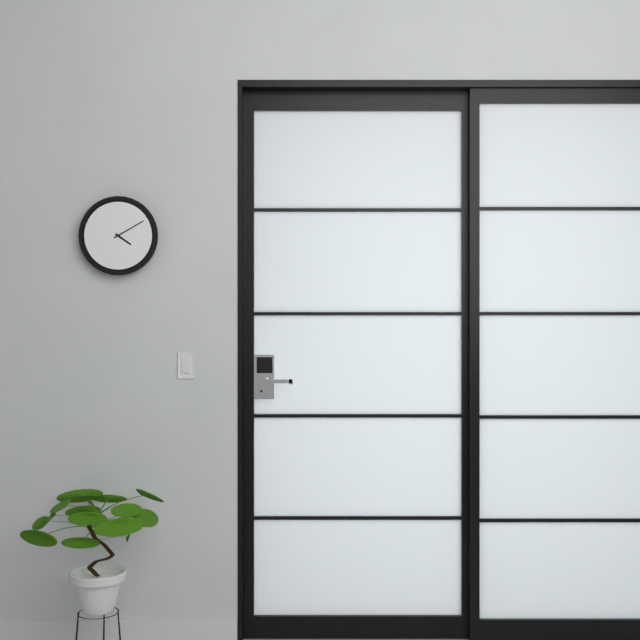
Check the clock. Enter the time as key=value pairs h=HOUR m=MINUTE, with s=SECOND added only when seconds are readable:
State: h=4 m=10
